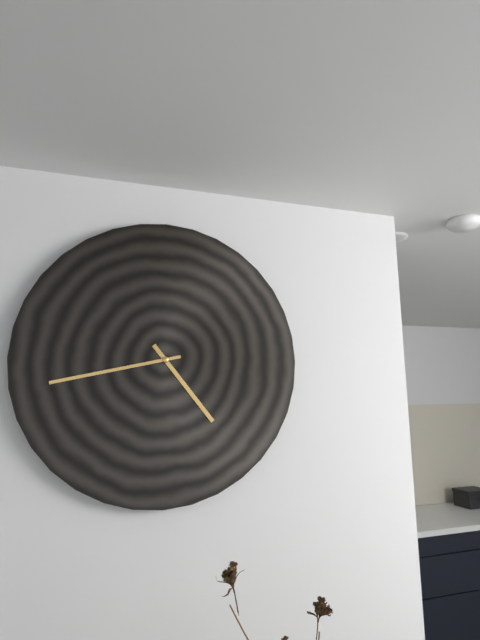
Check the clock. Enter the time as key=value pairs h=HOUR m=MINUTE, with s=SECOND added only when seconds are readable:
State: h=4 m=43
